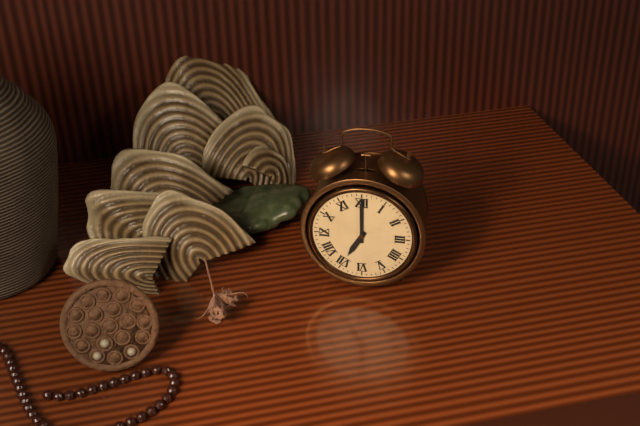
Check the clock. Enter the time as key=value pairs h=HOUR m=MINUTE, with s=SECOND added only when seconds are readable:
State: h=7 m=0
